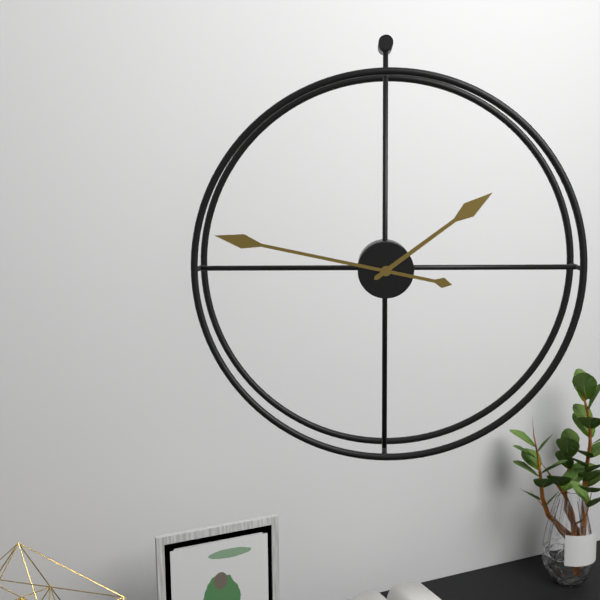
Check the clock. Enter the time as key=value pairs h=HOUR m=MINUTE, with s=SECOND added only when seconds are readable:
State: h=1 m=47
